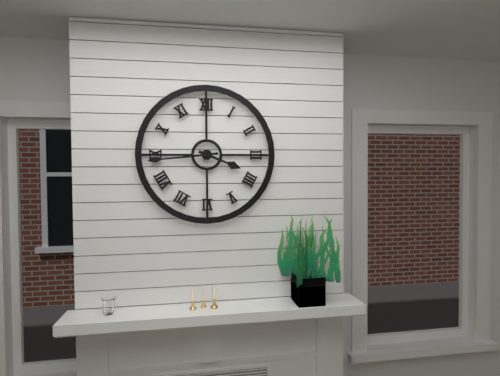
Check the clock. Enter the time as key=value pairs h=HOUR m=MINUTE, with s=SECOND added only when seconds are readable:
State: h=3 m=44
